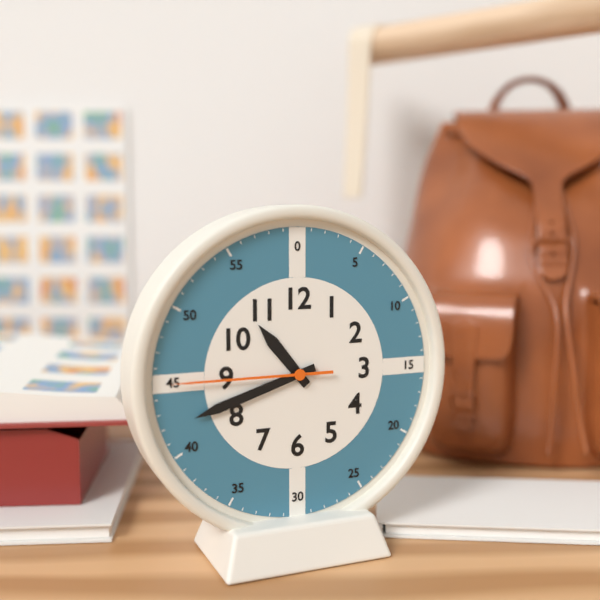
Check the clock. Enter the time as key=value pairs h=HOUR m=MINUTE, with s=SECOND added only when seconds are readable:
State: h=10 m=42 s=45
